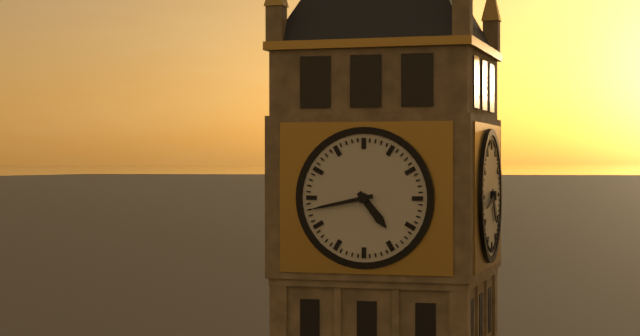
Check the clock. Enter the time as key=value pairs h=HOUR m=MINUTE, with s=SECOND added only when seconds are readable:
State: h=4 m=43
